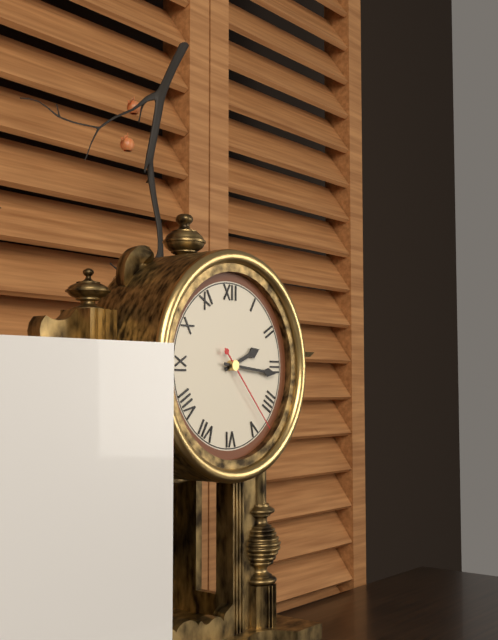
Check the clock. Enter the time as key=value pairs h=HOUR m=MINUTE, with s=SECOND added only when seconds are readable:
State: h=2 m=16 s=23
